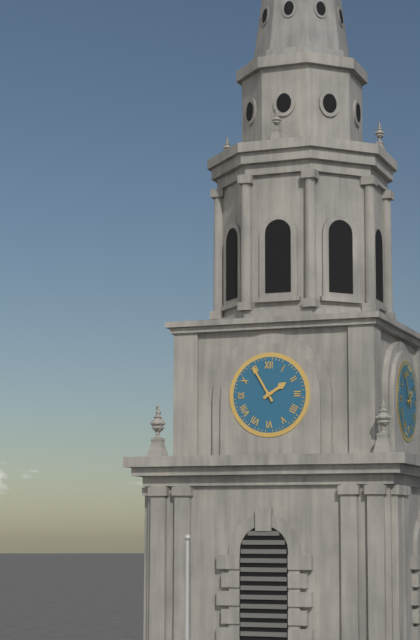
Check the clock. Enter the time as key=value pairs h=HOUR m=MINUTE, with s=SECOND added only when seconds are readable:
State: h=1 m=55
